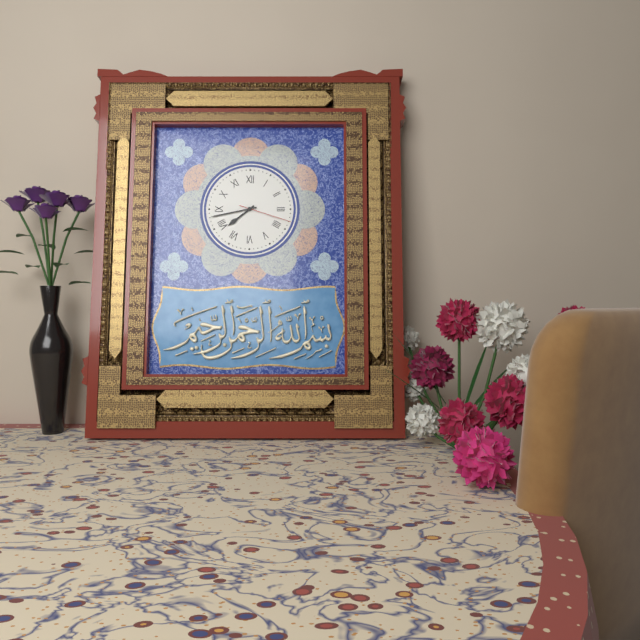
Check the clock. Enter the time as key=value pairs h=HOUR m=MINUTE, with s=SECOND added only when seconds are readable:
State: h=7 m=43 s=18
